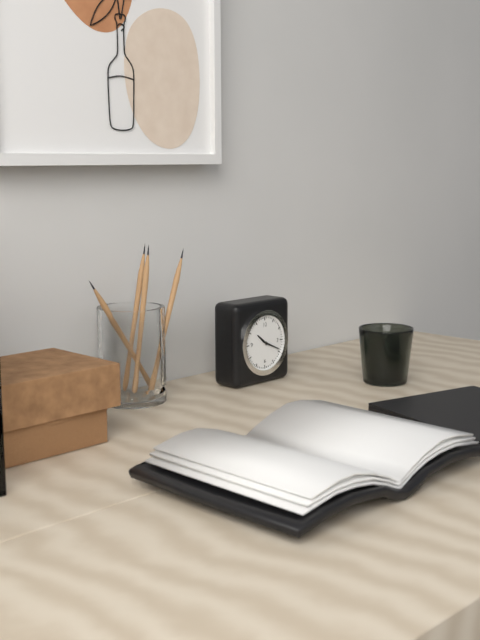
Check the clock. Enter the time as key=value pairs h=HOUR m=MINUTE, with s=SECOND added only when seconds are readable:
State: h=10 m=19
